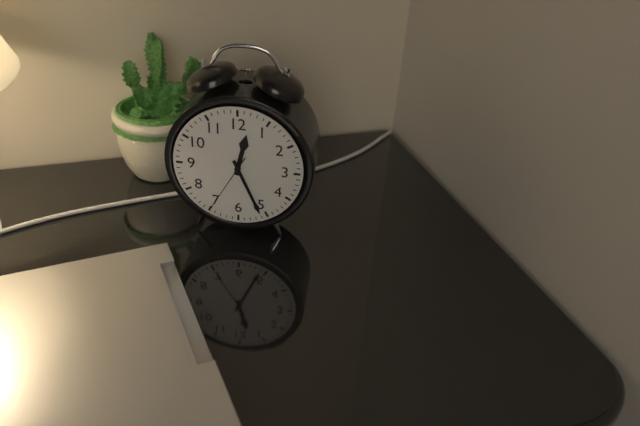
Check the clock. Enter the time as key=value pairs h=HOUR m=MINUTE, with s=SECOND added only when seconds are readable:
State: h=12 m=26 s=35
